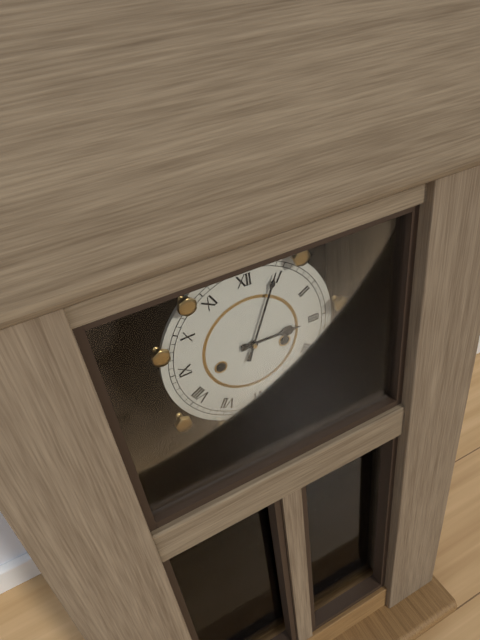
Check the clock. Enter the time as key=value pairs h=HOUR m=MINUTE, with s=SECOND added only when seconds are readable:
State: h=3 m=4
